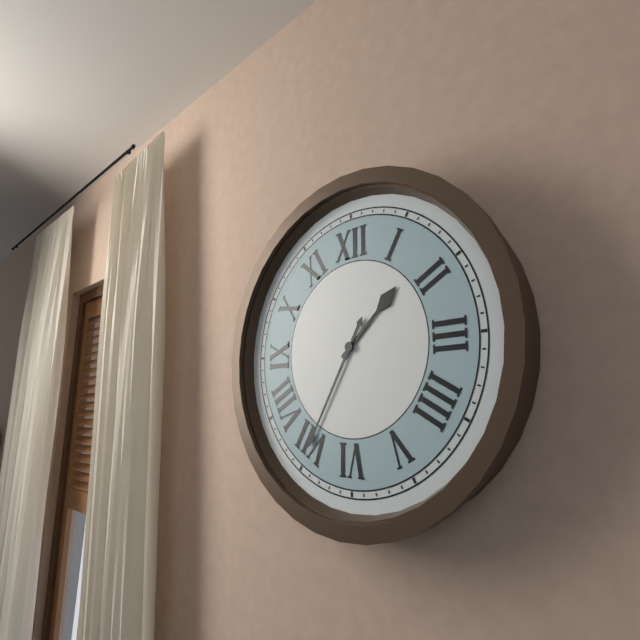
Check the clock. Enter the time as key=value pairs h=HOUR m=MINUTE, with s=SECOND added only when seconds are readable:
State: h=1 m=35
